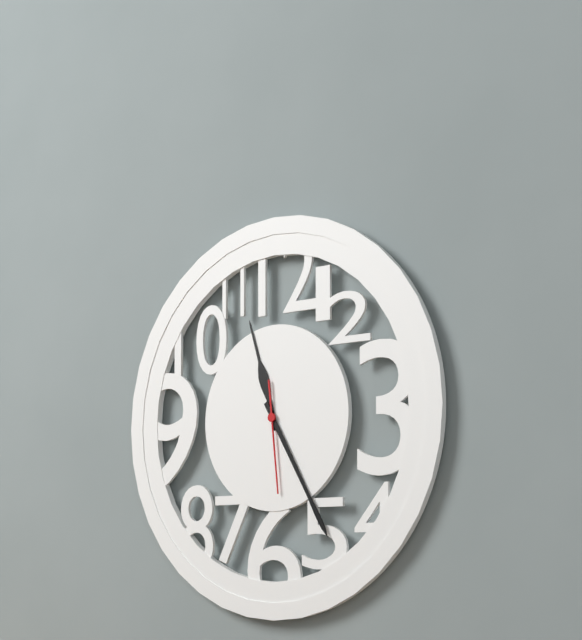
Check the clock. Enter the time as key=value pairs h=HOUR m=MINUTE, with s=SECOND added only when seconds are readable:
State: h=11 m=25 s=29
